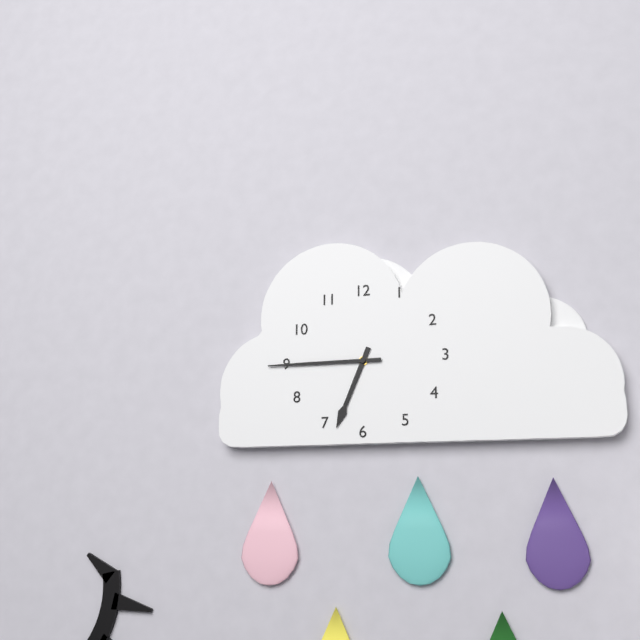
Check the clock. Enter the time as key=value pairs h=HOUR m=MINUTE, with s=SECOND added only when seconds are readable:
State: h=6 m=45
